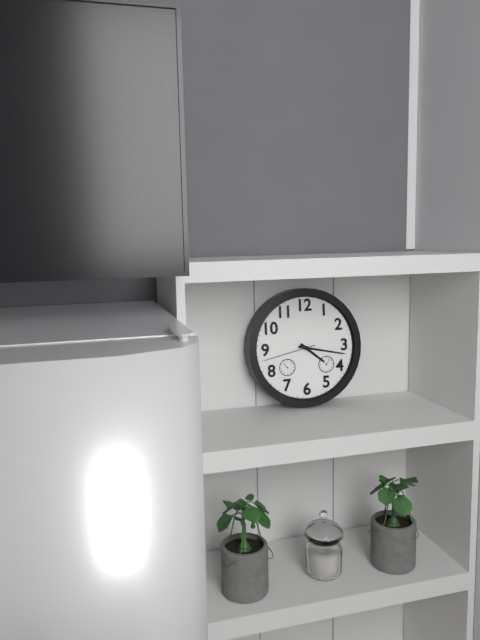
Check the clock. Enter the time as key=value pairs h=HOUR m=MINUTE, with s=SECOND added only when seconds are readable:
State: h=4 m=17 s=43
